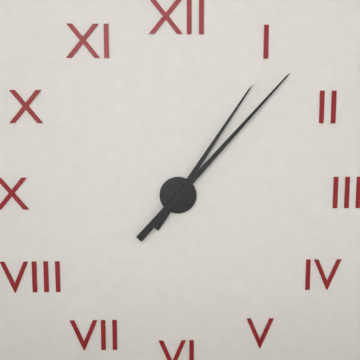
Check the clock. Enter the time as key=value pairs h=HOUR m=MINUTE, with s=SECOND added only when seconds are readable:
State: h=1 m=7
